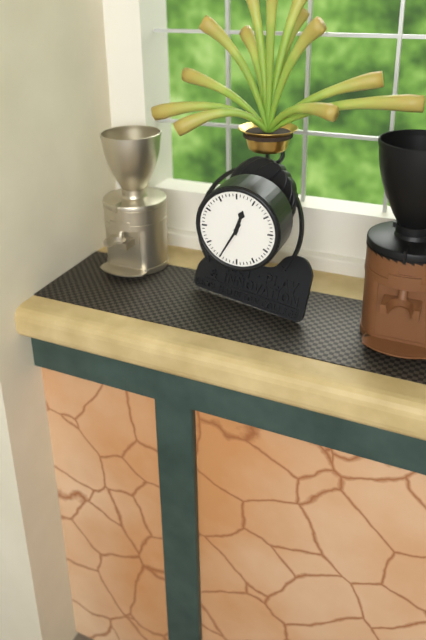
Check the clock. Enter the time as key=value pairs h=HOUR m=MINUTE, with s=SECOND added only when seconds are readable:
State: h=12 m=35
